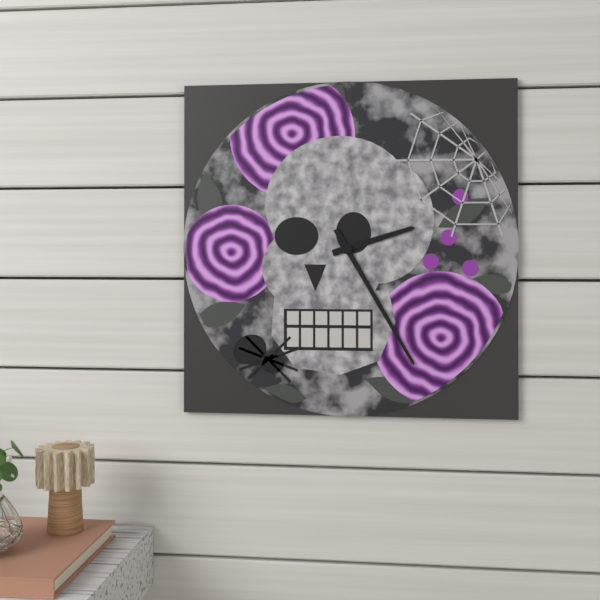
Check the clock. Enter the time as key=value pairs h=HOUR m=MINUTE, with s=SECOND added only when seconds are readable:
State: h=2 m=25
